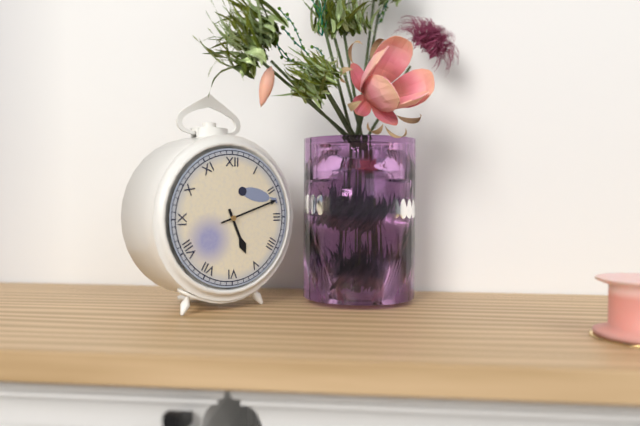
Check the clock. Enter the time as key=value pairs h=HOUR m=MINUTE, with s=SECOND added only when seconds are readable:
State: h=5 m=12
